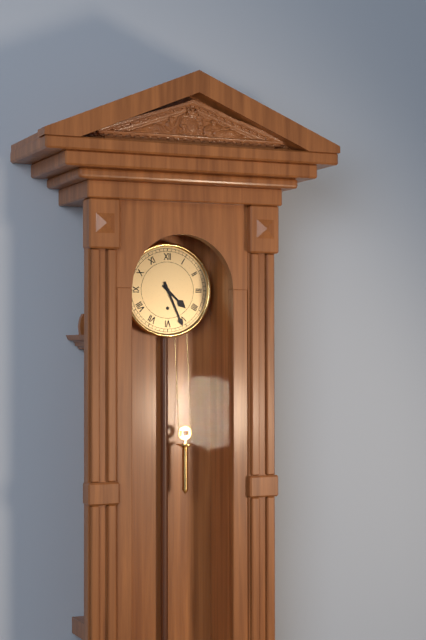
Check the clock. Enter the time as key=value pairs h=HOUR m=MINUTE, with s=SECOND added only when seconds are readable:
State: h=4 m=26
